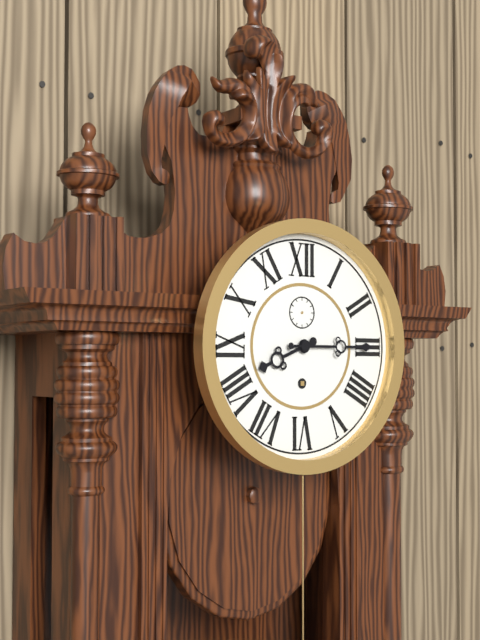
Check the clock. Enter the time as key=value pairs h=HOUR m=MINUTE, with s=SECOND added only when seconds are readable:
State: h=8 m=15
